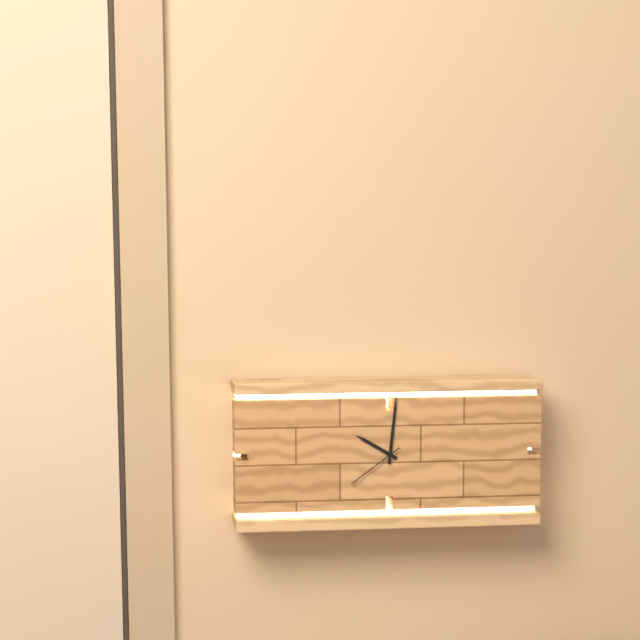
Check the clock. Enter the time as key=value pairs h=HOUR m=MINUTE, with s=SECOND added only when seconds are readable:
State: h=10 m=1 s=39
